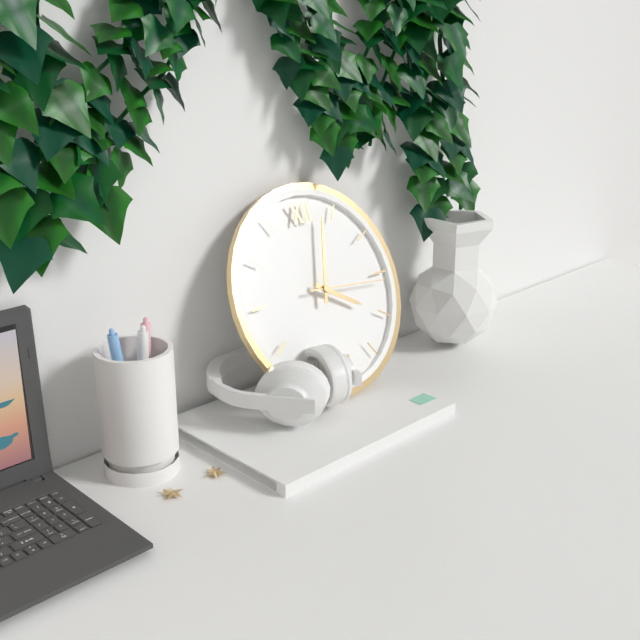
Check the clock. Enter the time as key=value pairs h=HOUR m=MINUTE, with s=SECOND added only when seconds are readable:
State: h=4 m=3 s=16
